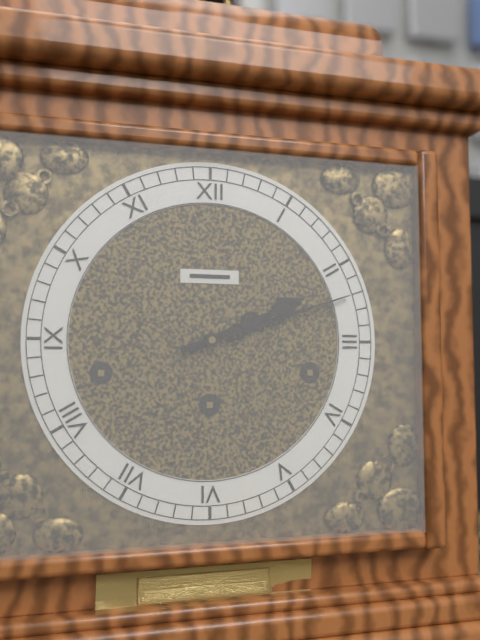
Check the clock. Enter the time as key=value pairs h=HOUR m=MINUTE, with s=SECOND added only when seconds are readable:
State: h=2 m=12
